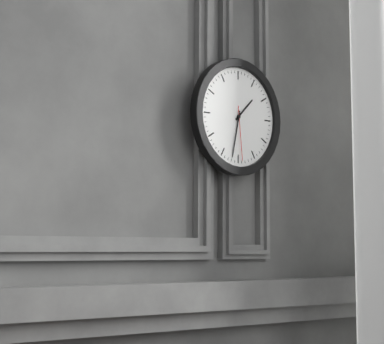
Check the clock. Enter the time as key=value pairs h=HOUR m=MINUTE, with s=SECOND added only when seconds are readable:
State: h=1 m=32 s=29
